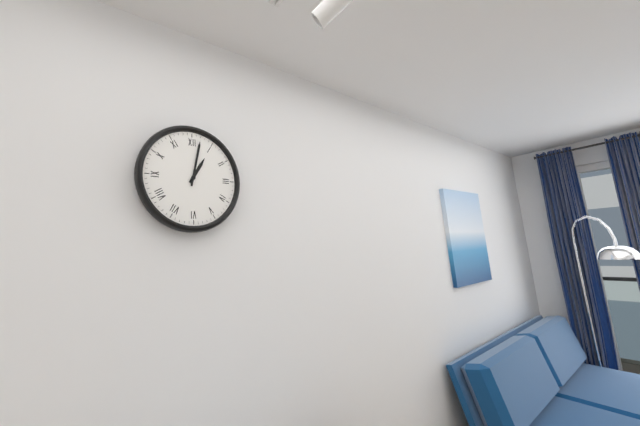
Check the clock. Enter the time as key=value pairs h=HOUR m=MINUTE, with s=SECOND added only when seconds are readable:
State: h=1 m=2
